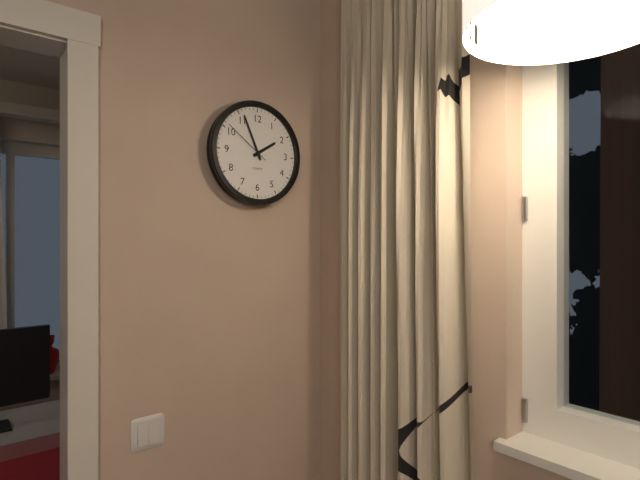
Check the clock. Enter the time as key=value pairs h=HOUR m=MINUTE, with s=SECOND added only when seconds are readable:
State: h=1 m=56 s=51
